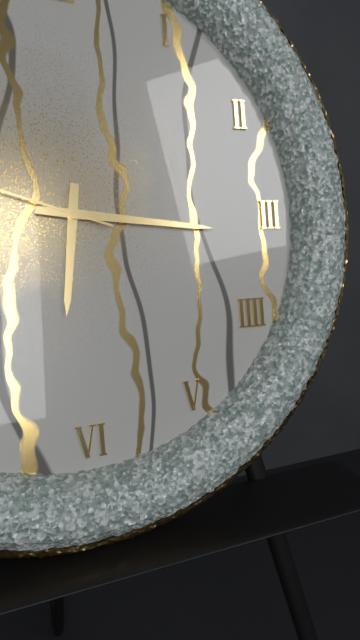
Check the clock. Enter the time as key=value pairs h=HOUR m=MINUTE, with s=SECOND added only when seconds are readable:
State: h=6 m=16
